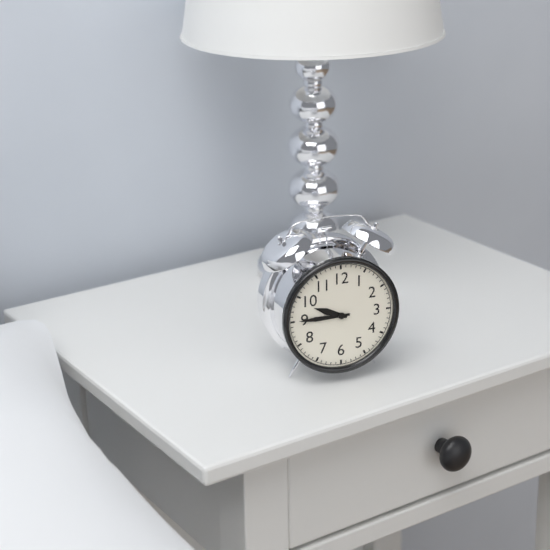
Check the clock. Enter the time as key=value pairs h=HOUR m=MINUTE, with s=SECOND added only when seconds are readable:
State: h=9 m=45
